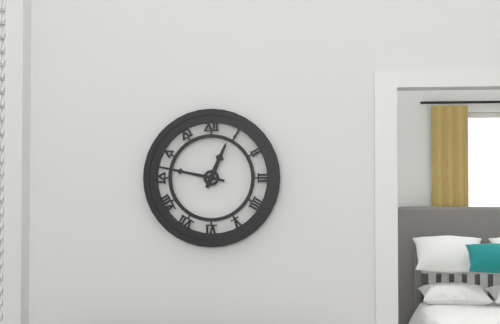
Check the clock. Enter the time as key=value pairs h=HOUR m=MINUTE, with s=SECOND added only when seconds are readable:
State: h=12 m=47
